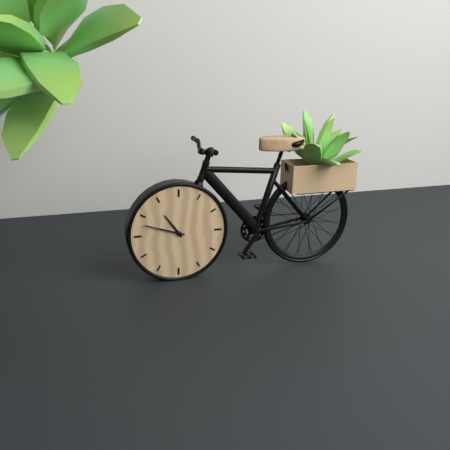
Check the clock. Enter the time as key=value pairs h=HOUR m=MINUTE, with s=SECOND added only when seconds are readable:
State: h=10 m=48
